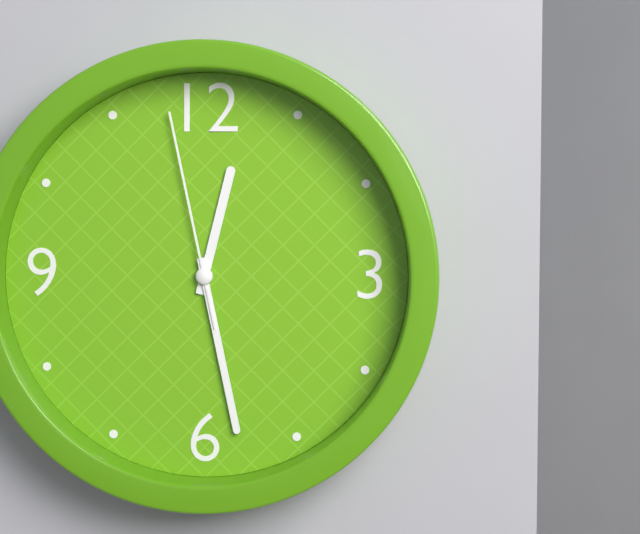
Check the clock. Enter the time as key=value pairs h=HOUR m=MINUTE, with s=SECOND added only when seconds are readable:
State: h=12 m=28 s=58
